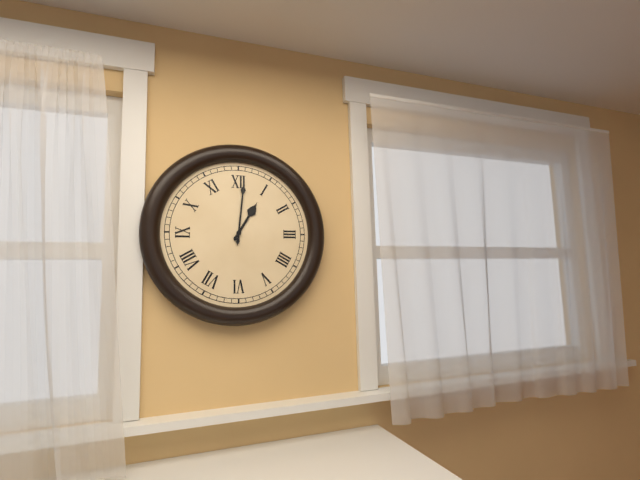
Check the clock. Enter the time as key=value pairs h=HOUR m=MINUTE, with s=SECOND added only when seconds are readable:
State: h=1 m=1
